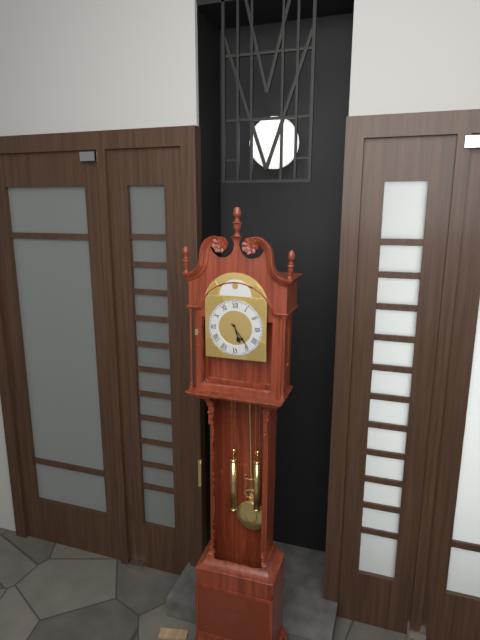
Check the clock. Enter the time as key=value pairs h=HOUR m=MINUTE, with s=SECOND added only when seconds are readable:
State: h=5 m=24
